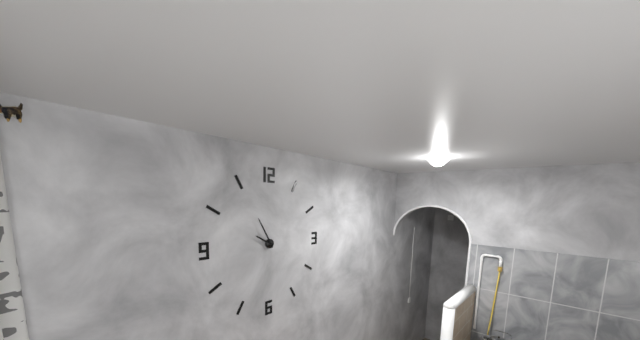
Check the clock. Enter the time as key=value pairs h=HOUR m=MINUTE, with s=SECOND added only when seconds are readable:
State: h=9 m=55
